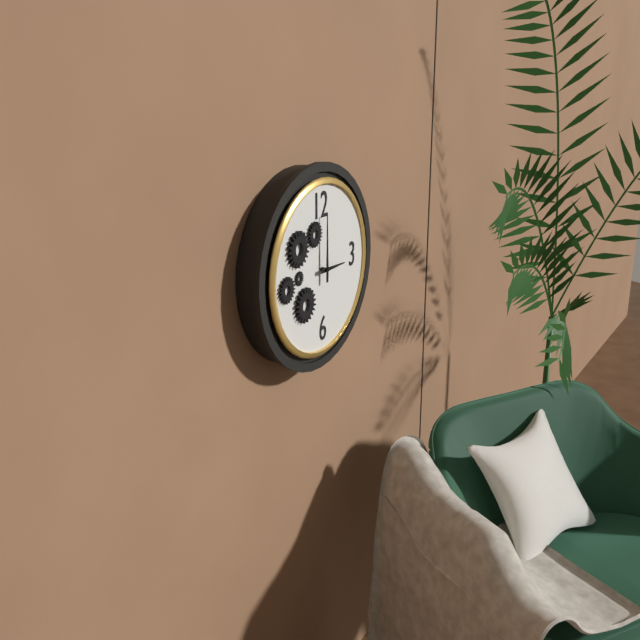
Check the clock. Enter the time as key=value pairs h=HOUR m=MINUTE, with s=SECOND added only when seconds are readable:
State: h=3 m=0
